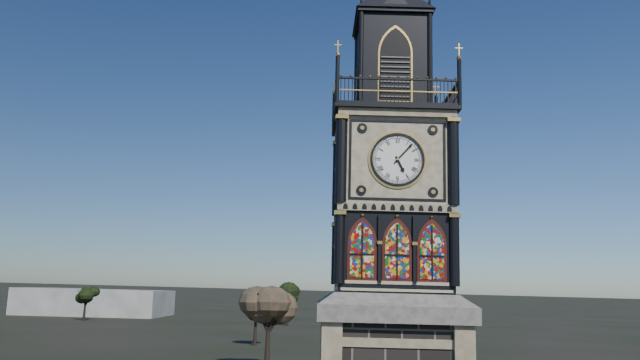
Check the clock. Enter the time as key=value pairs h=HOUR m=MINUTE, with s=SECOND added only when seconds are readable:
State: h=5 m=7
